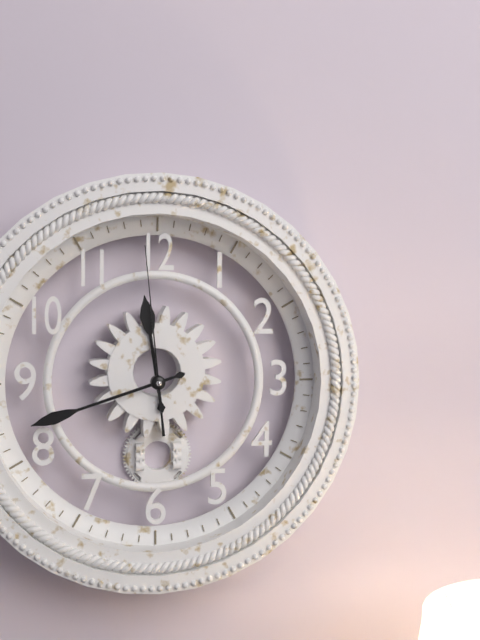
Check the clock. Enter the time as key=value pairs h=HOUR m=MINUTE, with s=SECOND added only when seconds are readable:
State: h=11 m=42 s=59
